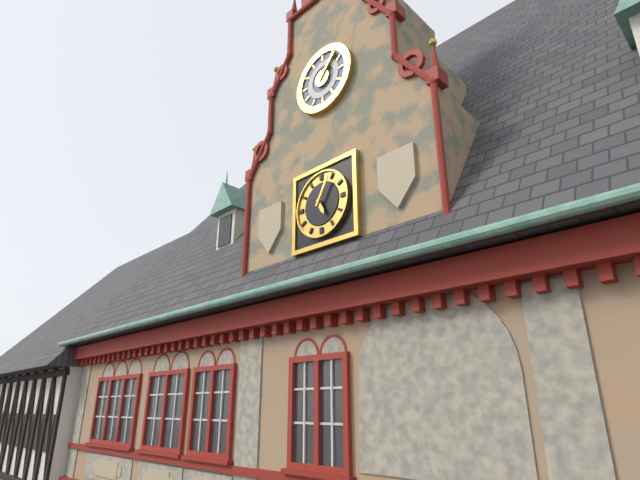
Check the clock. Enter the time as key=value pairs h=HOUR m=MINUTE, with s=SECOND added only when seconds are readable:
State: h=5 m=5
